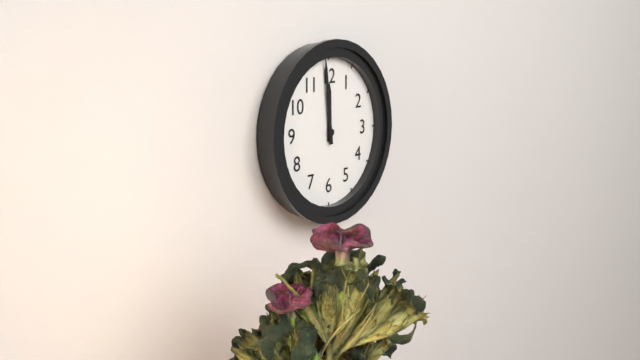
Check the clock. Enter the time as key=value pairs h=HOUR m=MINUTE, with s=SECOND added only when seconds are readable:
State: h=11 m=59
